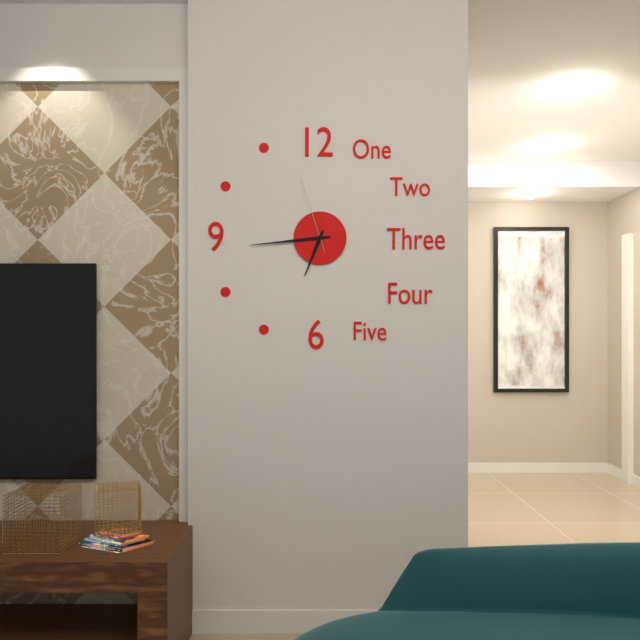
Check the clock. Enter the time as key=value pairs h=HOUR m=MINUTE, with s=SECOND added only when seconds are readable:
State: h=6 m=44 s=57
